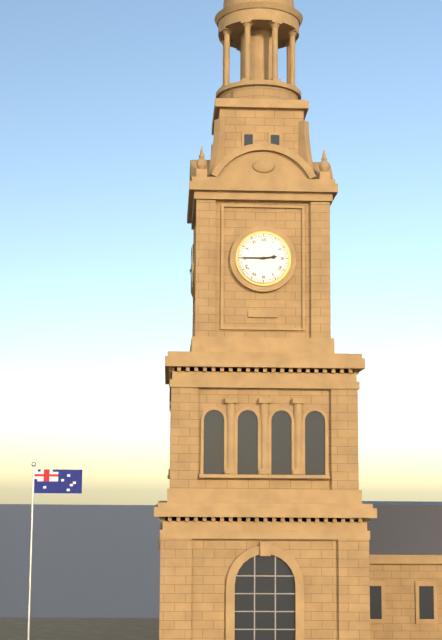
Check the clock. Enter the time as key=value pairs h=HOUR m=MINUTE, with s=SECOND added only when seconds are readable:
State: h=2 m=45
